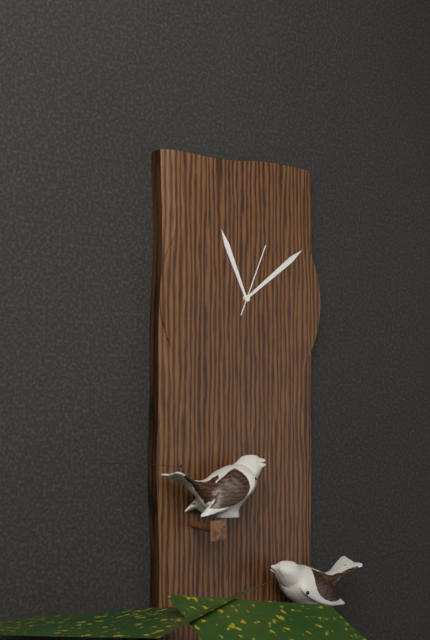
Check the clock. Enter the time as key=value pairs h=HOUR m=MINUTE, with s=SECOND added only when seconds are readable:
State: h=11 m=9 s=4
